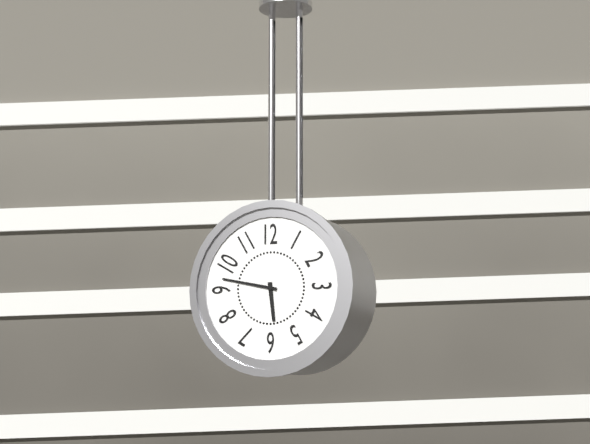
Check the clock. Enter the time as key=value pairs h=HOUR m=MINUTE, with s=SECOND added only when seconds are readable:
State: h=5 m=47
